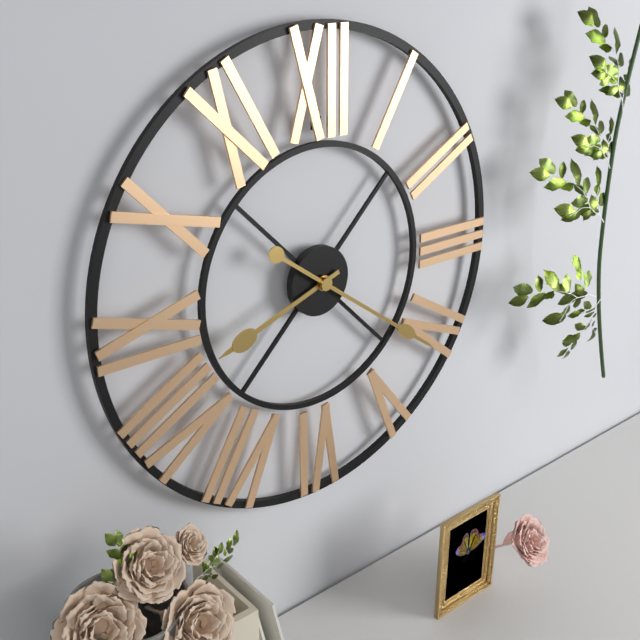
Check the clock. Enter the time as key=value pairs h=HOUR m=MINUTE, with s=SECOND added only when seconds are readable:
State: h=8 m=21
